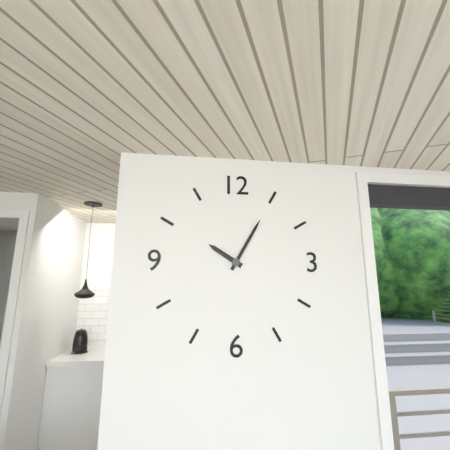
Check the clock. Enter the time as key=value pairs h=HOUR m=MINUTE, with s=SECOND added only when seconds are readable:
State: h=10 m=5
